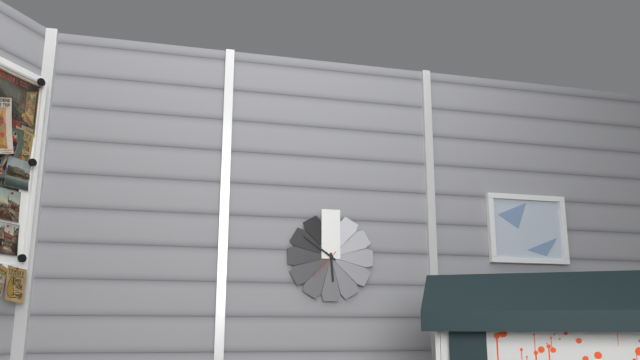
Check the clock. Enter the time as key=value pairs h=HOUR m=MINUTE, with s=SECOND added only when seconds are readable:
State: h=5 m=51
